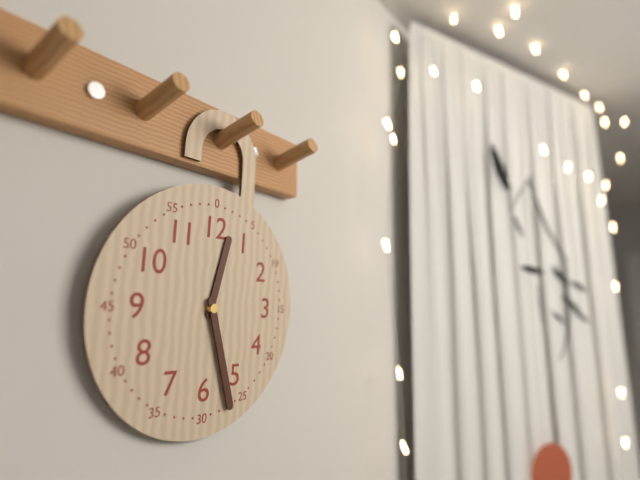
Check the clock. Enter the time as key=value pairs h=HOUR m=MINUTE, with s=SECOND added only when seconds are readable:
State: h=12 m=27
